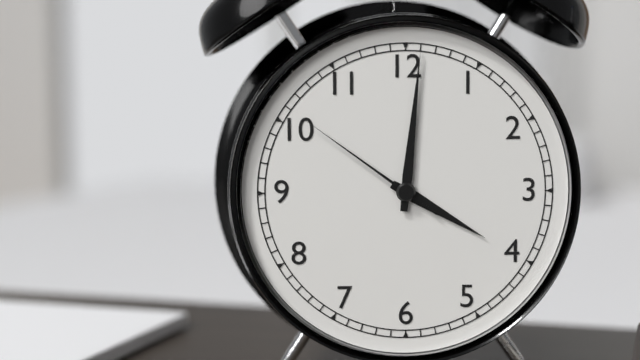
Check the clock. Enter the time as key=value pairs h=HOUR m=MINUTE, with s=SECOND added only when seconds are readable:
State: h=4 m=1 s=51
